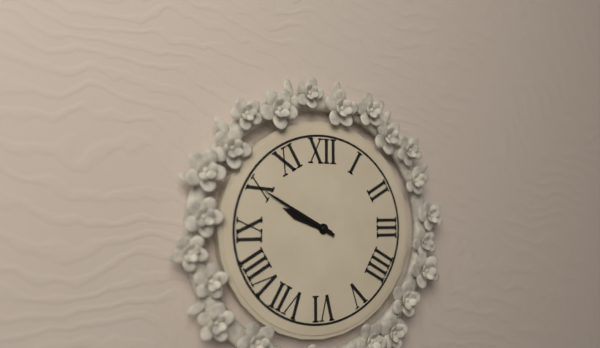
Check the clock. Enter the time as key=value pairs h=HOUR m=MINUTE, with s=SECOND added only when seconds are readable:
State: h=9 m=50
